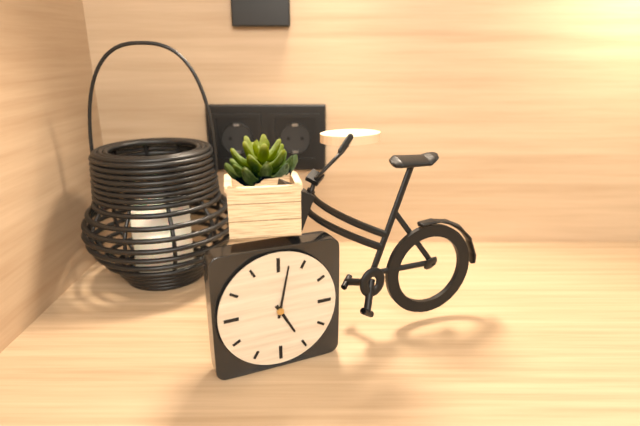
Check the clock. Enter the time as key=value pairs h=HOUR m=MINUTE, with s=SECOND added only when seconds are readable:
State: h=5 m=2
